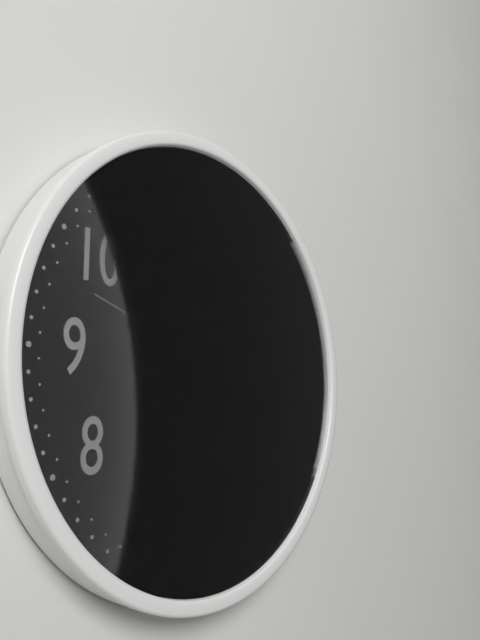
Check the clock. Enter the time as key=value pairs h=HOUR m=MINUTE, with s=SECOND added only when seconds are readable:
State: h=9 m=16 s=48
